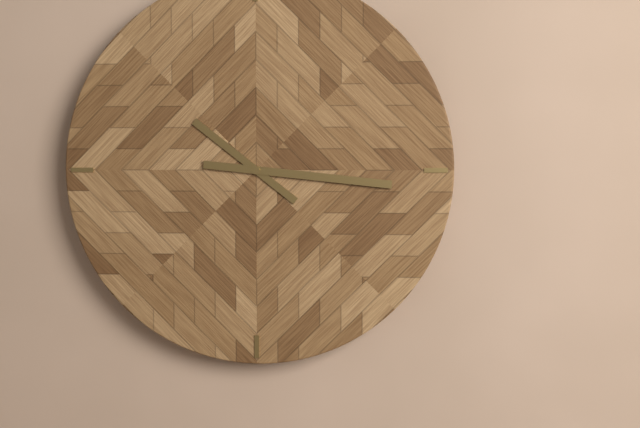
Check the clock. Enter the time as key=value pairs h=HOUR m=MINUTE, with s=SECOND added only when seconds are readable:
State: h=10 m=16
